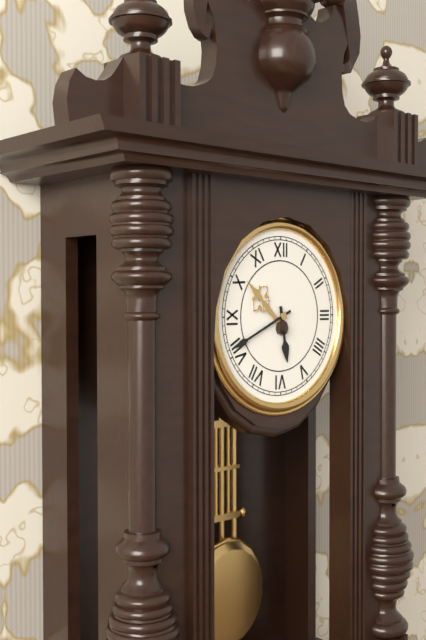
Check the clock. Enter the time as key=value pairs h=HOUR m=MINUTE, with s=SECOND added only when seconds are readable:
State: h=5 m=41
